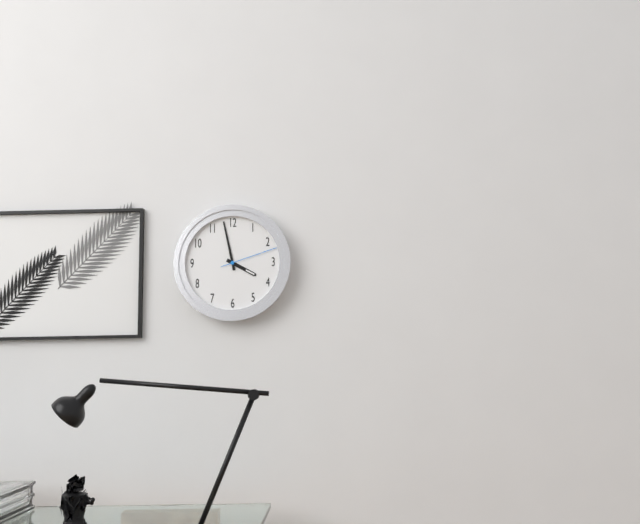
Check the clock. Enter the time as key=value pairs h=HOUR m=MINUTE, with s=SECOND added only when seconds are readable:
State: h=3 m=58 s=12
